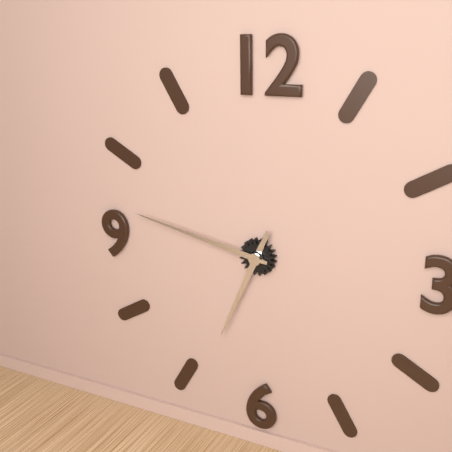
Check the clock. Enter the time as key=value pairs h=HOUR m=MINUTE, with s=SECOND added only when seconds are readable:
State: h=6 m=47
